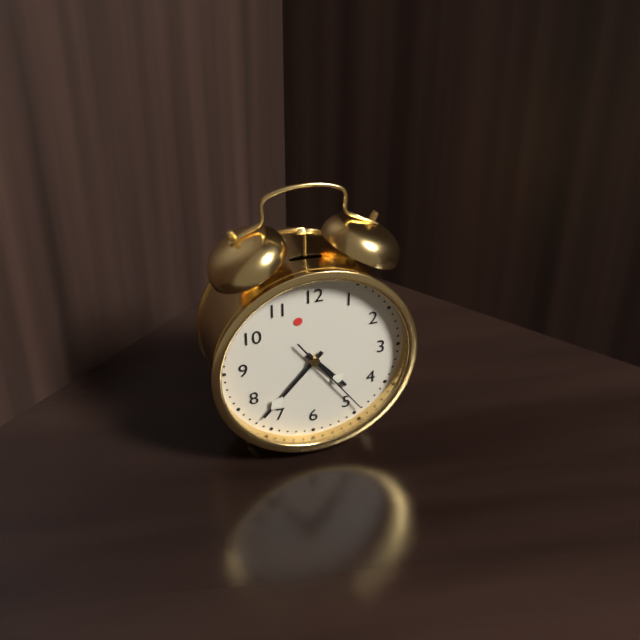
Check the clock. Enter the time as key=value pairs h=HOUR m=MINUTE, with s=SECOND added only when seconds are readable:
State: h=4 m=37 s=24
